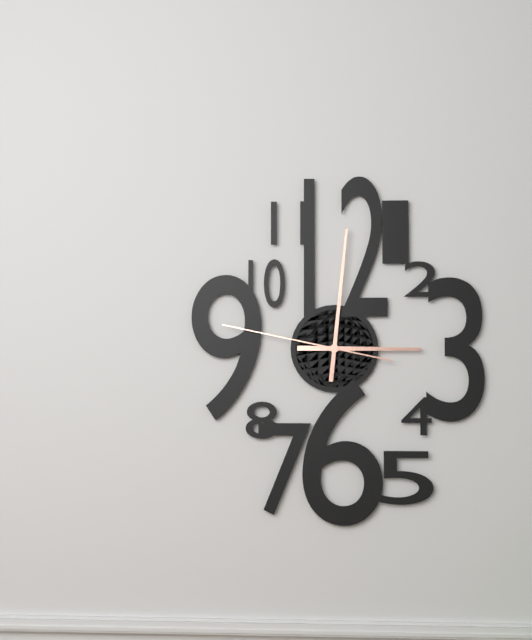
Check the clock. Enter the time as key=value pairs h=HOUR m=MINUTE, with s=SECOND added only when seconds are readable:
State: h=3 m=1 s=47
